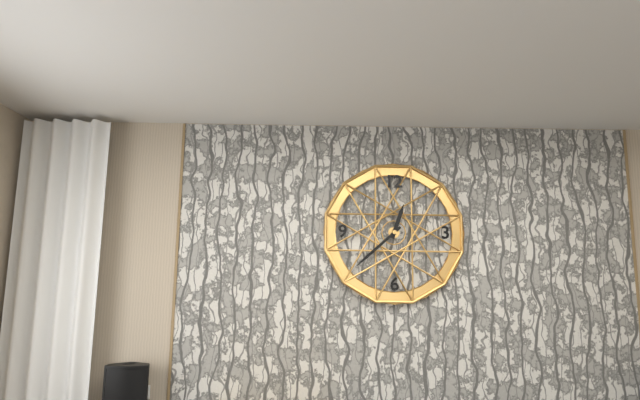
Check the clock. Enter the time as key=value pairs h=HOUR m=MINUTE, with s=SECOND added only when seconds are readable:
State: h=12 m=38
